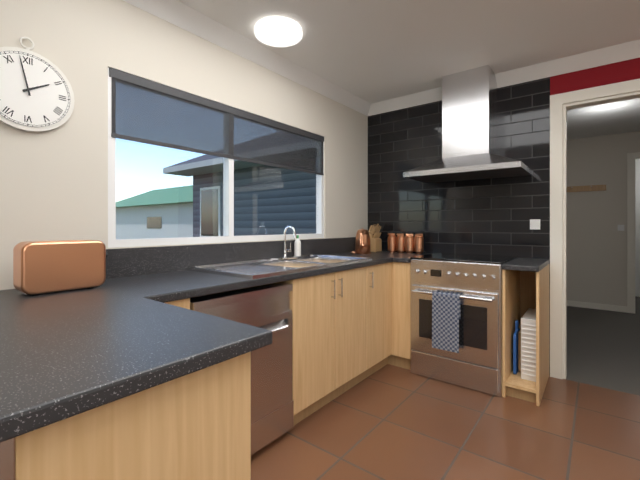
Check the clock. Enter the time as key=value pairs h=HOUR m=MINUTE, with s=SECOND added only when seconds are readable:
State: h=1 m=58
